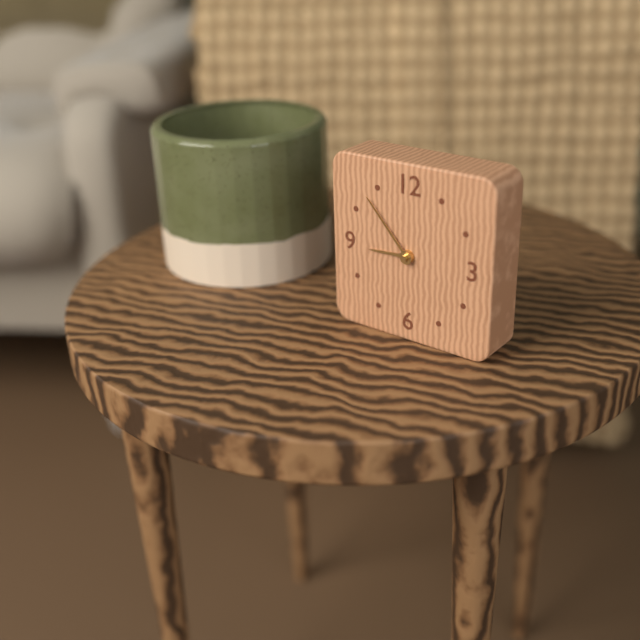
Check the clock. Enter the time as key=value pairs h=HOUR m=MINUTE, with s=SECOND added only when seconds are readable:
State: h=8 m=53
